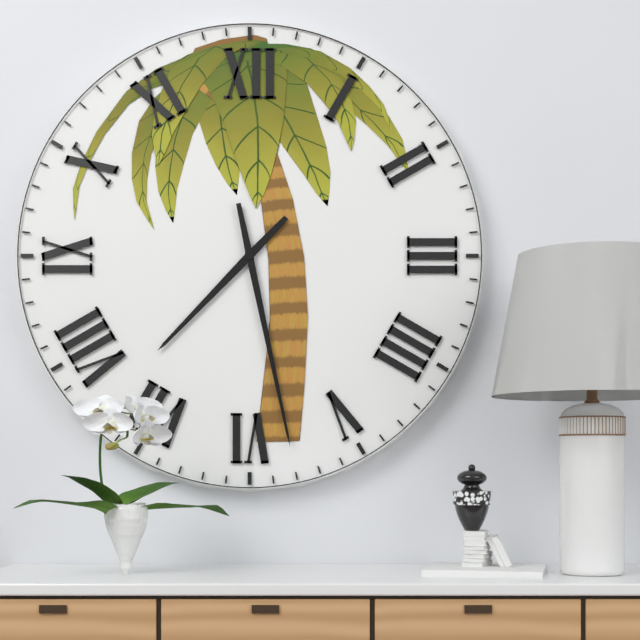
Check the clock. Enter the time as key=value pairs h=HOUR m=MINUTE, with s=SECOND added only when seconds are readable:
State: h=7 m=28
